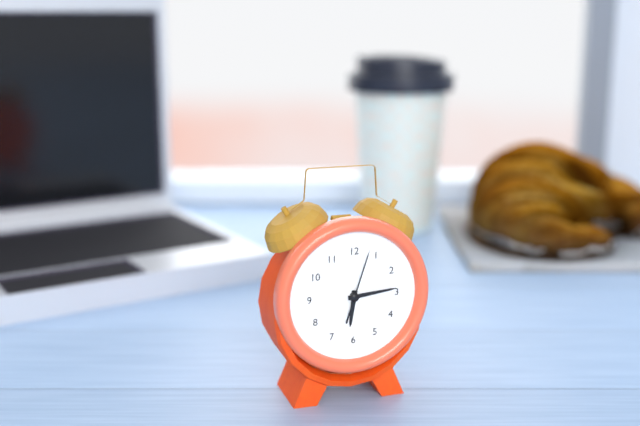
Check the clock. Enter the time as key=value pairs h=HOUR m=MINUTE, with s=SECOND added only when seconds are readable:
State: h=6 m=14 s=3
